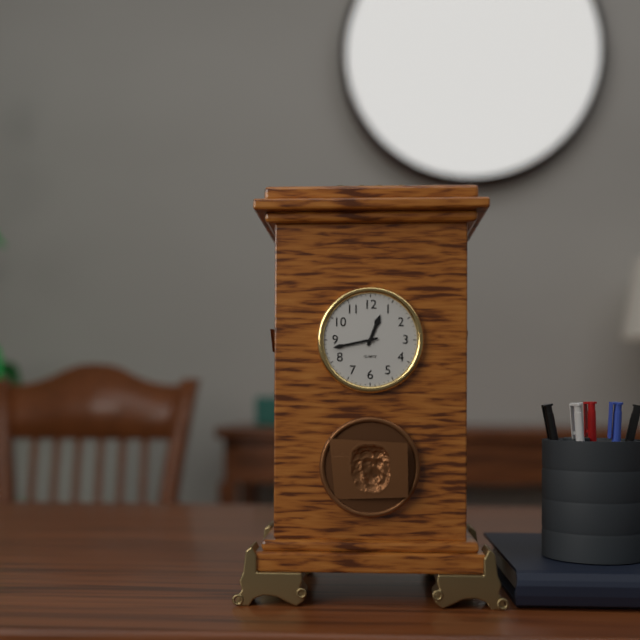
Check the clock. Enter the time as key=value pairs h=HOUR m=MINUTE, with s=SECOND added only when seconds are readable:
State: h=12 m=43
